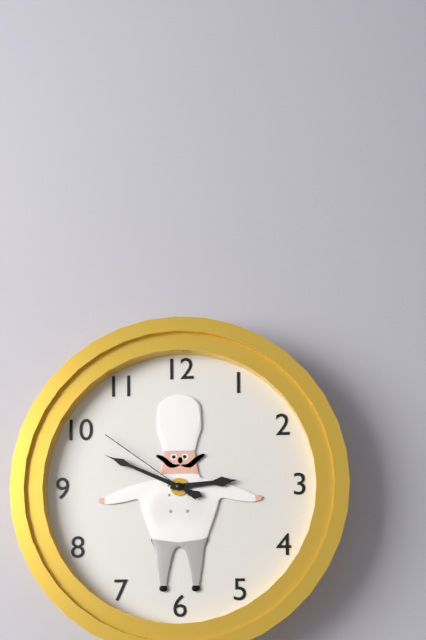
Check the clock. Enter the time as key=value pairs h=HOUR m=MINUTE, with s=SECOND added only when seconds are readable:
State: h=2 m=49 s=51
